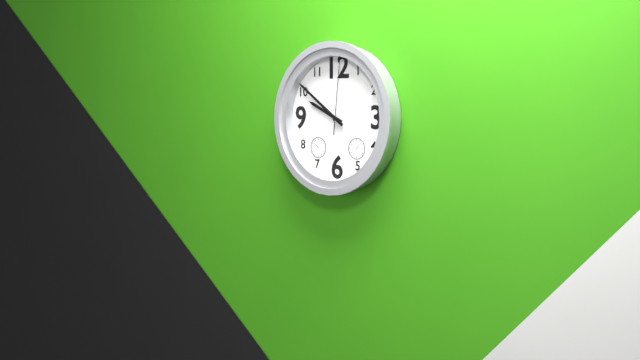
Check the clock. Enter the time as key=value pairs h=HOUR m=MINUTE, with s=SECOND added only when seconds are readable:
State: h=9 m=51 s=1
